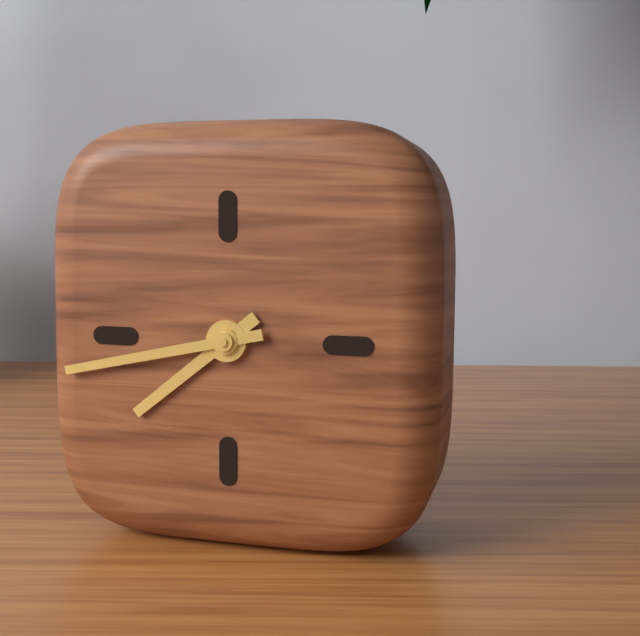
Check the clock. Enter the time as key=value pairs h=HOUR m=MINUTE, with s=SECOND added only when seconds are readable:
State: h=7 m=43
